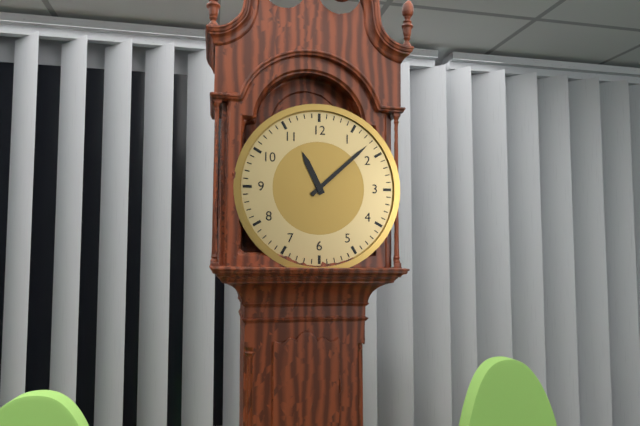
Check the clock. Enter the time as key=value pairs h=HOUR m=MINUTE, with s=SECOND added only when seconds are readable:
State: h=11 m=8
